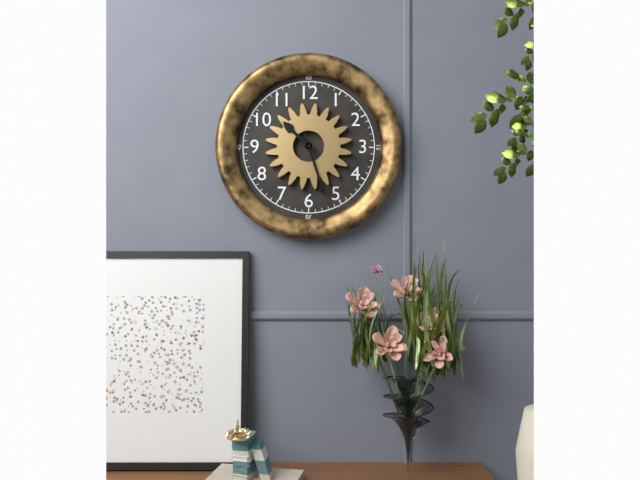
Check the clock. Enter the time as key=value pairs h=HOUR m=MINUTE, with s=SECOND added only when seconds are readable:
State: h=10 m=27
